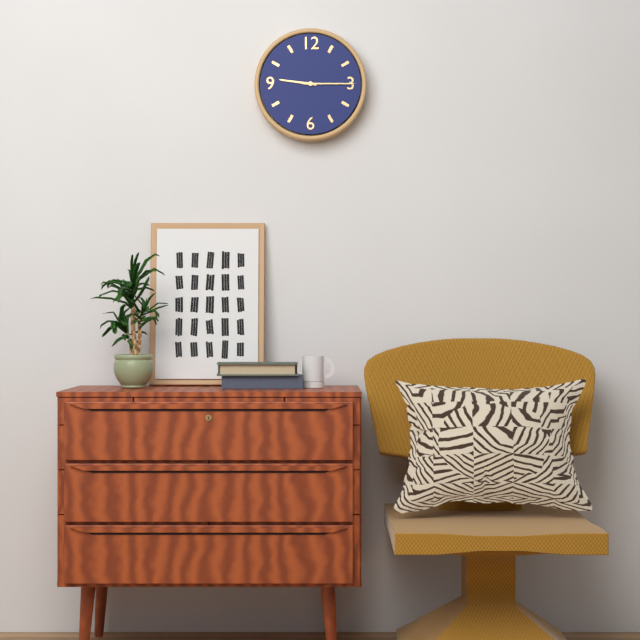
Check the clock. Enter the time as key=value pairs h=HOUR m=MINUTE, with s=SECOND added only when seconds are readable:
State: h=9 m=15
